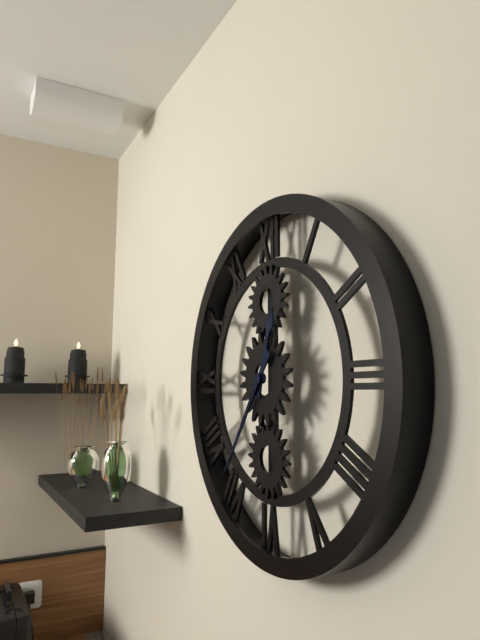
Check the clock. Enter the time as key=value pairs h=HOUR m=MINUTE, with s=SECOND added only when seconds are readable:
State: h=12 m=36
